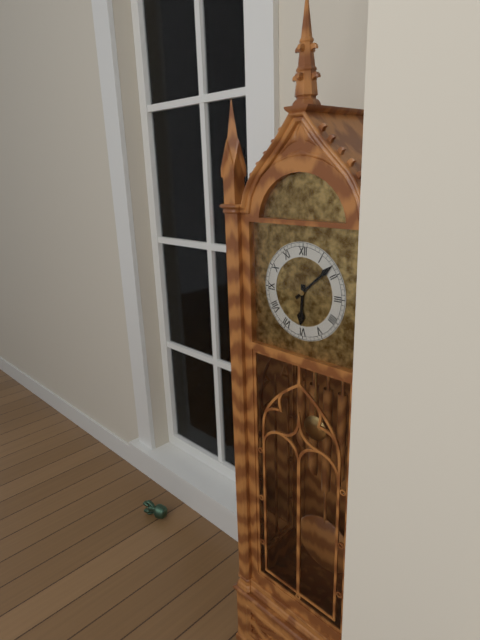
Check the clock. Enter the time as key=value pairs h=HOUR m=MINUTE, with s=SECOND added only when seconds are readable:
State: h=6 m=8
